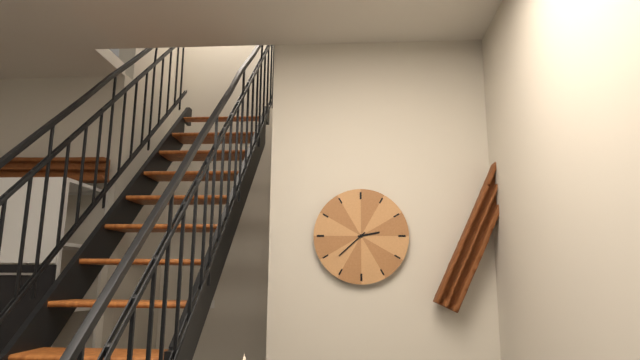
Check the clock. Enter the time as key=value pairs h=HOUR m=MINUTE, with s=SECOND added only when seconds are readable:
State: h=2 m=38
